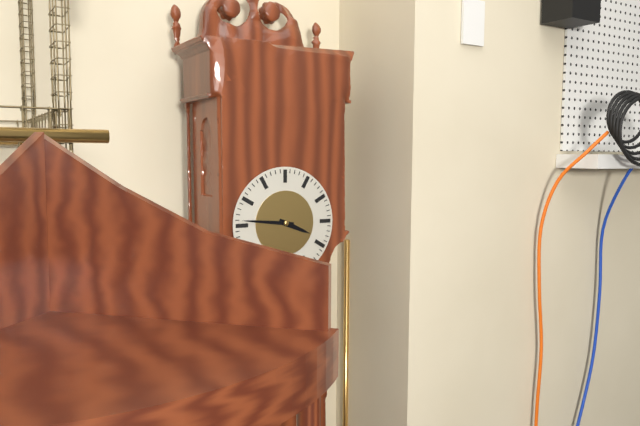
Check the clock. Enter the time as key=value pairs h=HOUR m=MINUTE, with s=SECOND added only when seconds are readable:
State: h=3 m=46
